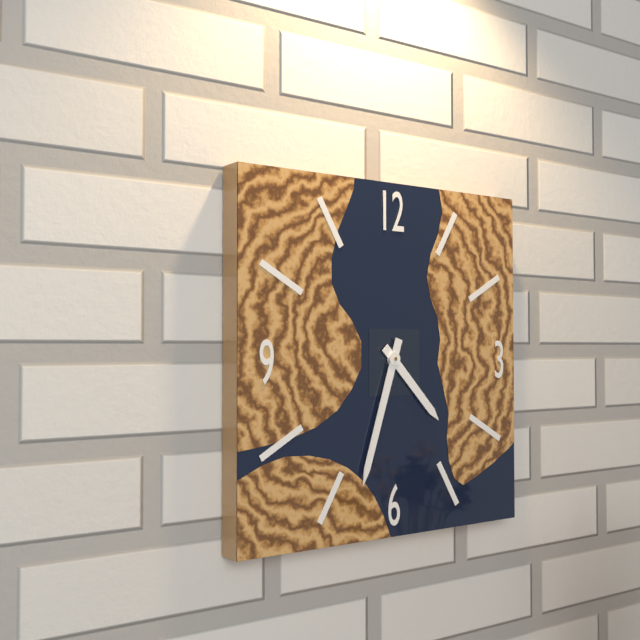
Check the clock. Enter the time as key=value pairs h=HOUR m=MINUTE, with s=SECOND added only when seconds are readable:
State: h=4 m=33
